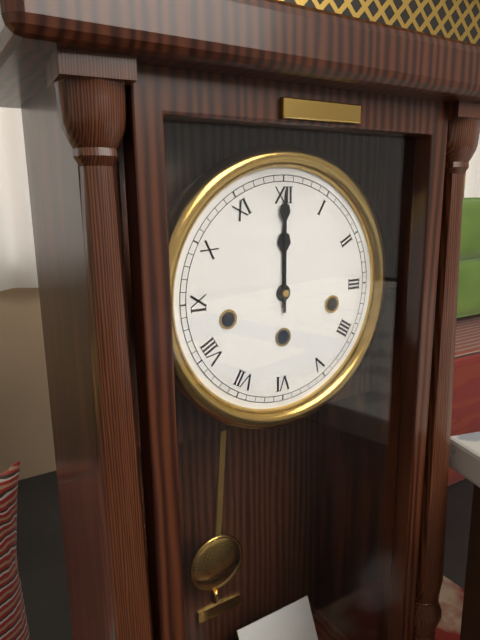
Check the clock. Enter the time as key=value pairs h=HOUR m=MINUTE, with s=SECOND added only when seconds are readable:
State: h=12 m=0
